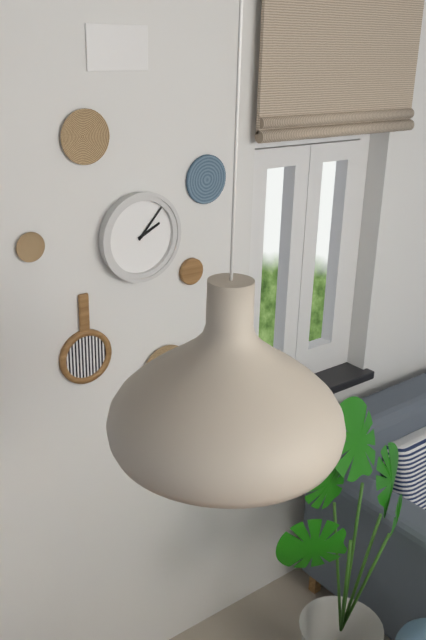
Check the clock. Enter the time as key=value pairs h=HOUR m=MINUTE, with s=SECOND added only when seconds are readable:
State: h=2 m=7
